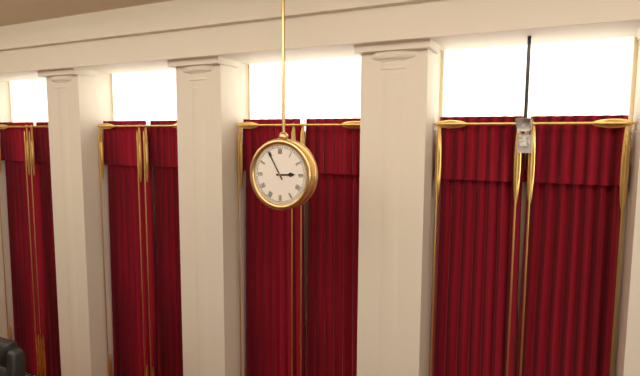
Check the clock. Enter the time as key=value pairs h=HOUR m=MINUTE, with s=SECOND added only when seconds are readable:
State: h=2 m=55
